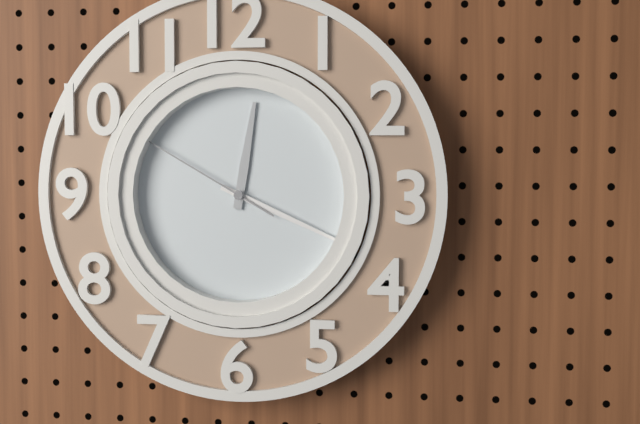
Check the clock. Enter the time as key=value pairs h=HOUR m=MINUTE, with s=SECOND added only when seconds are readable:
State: h=12 m=19 s=50
